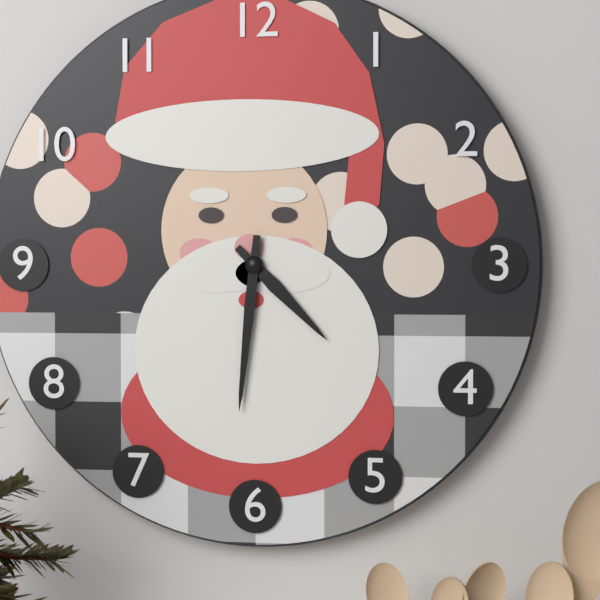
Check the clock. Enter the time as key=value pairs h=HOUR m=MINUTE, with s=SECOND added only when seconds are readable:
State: h=4 m=31
